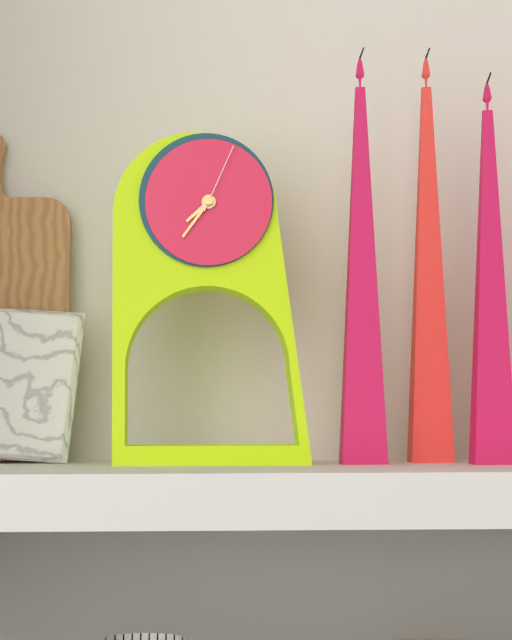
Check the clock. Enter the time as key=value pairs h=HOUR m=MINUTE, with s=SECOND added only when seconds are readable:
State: h=7 m=36 s=4
